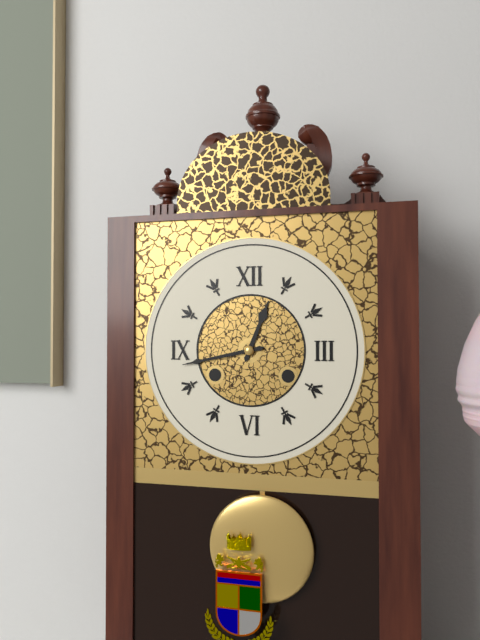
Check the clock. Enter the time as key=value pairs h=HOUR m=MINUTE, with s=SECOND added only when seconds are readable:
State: h=12 m=43
